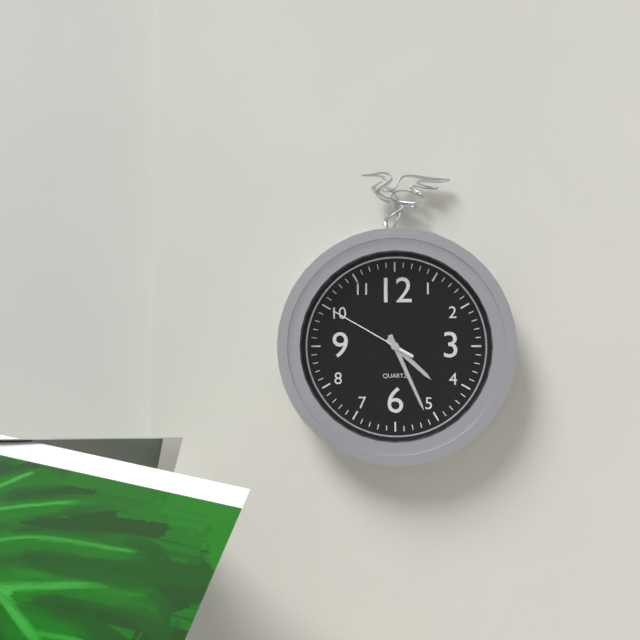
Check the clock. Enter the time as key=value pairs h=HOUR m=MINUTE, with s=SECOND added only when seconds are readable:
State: h=4 m=26 s=50
